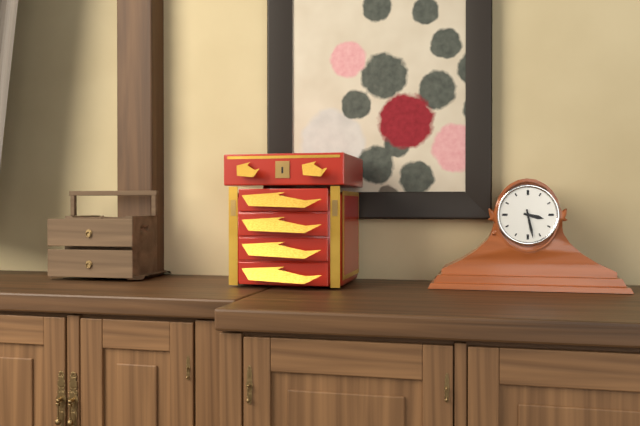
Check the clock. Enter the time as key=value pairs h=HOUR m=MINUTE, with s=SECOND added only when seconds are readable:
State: h=3 m=28
